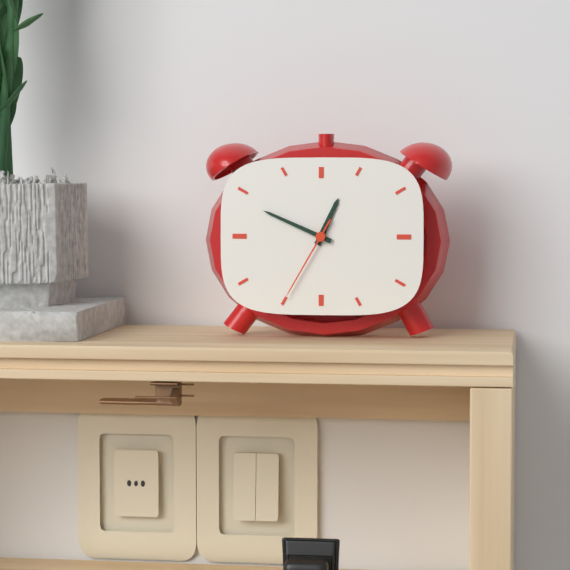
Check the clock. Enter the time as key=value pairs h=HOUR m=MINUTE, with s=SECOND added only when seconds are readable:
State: h=12 m=49 s=35
